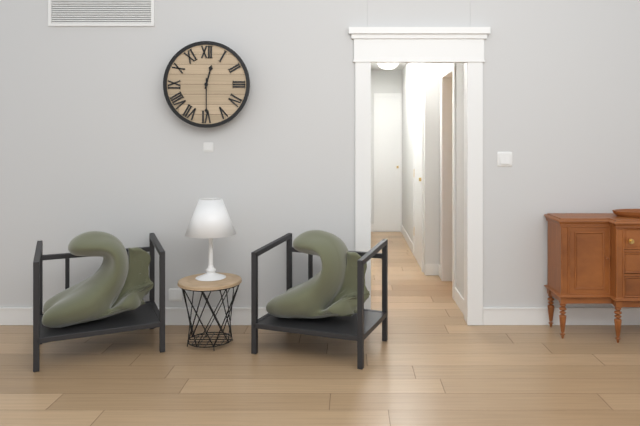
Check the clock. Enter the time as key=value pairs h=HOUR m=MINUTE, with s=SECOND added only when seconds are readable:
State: h=12 m=30
